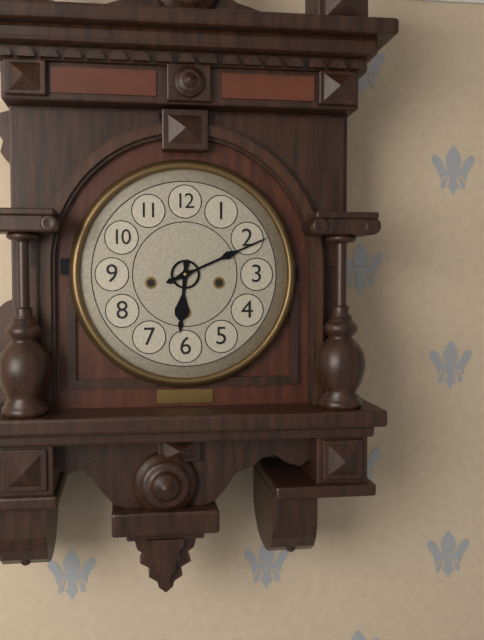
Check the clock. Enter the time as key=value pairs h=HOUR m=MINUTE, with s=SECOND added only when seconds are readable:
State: h=6 m=11
